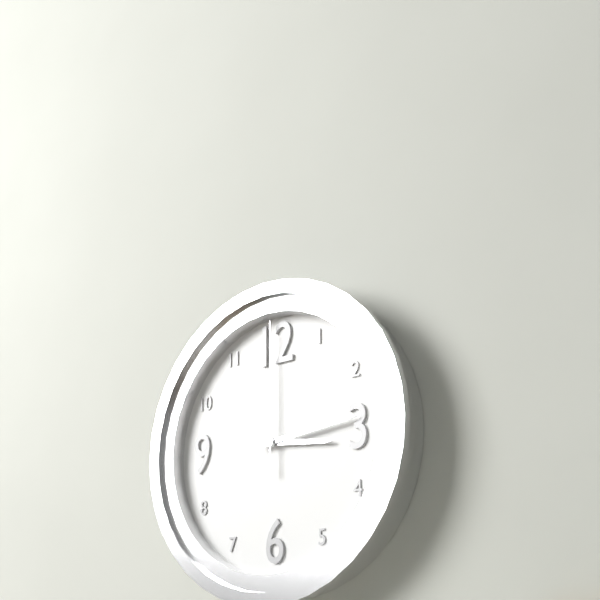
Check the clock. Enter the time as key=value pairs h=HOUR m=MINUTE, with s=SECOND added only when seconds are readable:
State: h=3 m=14 s=0
